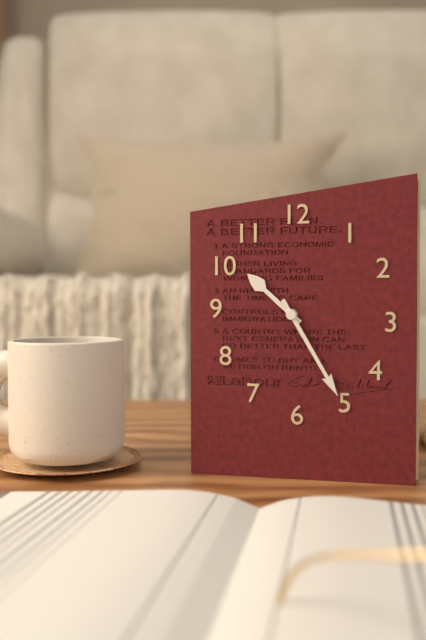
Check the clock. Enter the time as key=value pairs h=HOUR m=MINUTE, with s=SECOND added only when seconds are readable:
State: h=10 m=25
